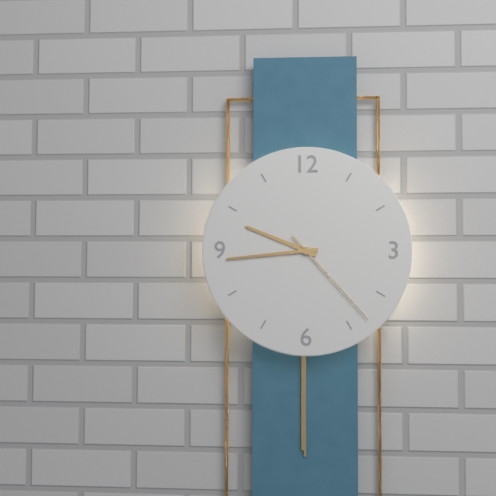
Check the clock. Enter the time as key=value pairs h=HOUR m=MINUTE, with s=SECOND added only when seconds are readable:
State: h=9 m=44 s=23
